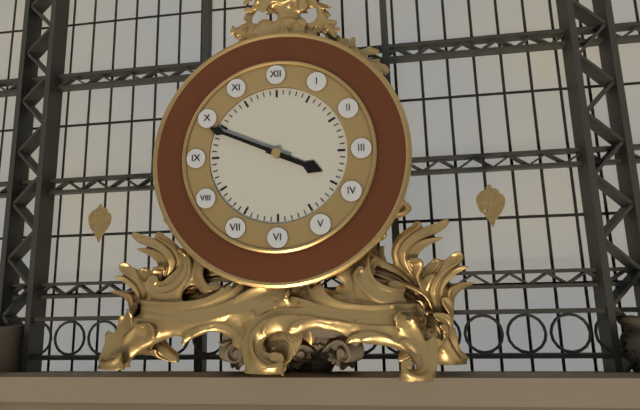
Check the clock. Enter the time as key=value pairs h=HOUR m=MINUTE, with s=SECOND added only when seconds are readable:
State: h=3 m=49
